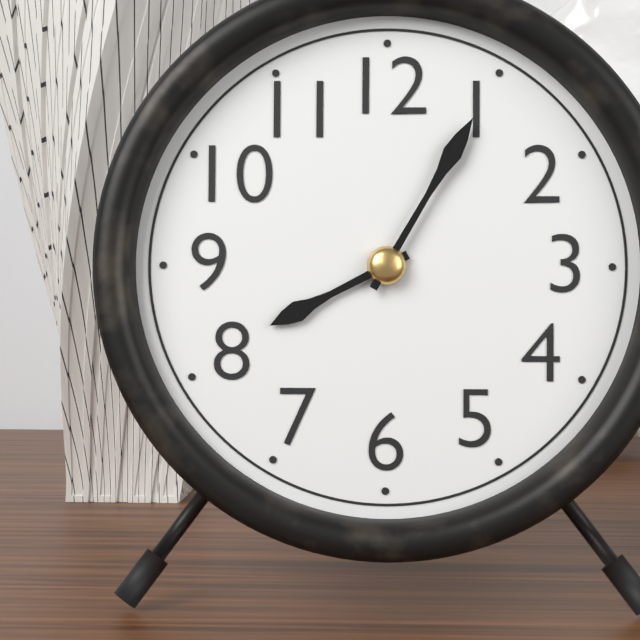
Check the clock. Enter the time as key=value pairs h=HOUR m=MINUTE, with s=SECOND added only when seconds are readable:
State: h=8 m=5
